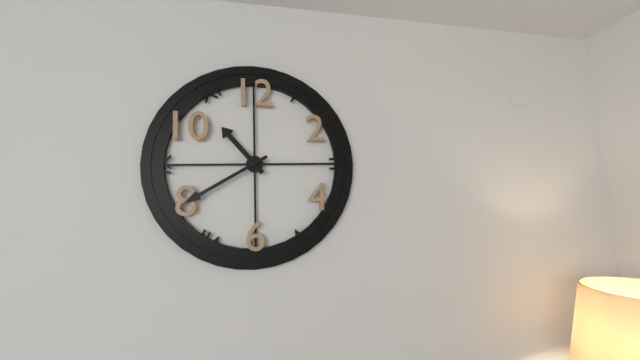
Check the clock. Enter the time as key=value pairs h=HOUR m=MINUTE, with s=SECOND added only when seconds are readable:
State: h=10 m=40
